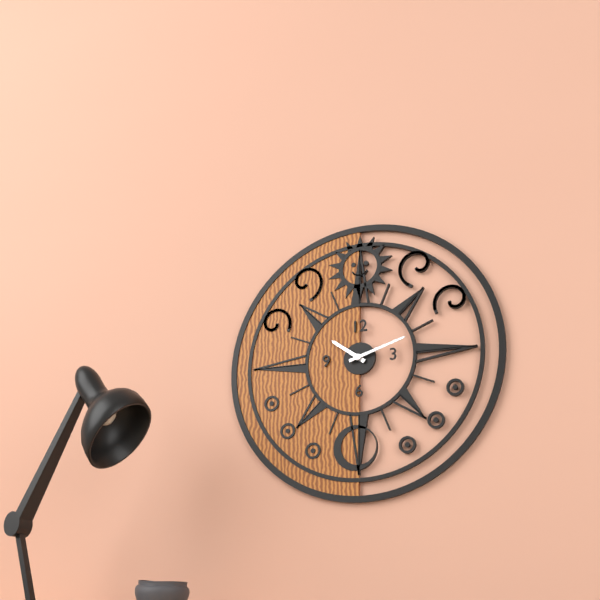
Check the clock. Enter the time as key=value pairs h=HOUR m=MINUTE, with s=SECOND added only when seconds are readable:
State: h=10 m=12
